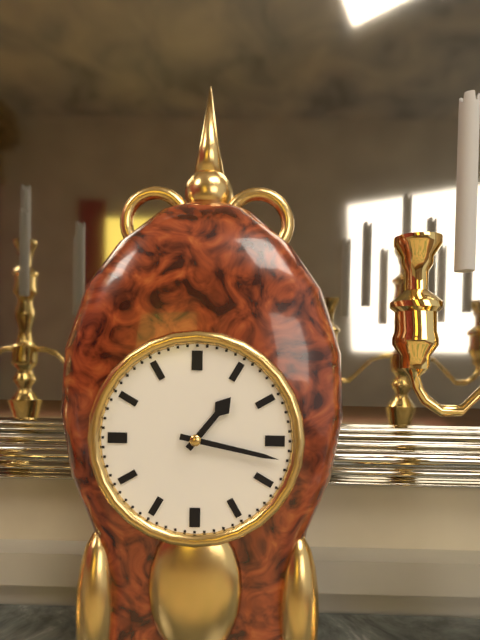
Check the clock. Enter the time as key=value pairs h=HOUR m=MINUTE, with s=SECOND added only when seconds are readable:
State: h=1 m=17
